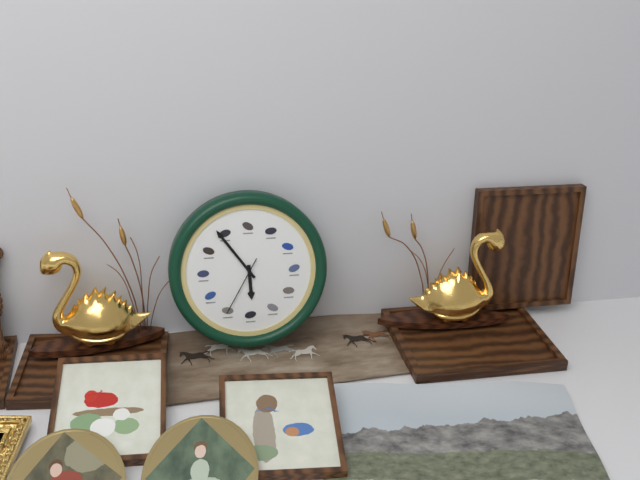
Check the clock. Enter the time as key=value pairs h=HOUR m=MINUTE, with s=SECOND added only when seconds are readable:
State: h=5 m=54 s=35
